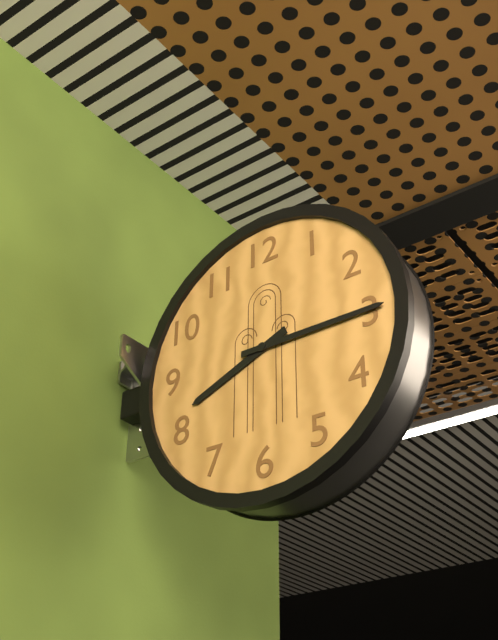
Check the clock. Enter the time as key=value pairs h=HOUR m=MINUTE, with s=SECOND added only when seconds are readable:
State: h=8 m=15
